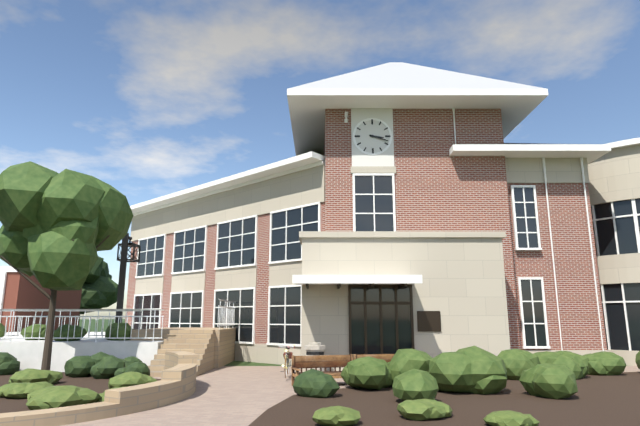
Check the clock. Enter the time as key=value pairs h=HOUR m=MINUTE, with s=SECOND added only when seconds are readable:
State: h=3 m=18
